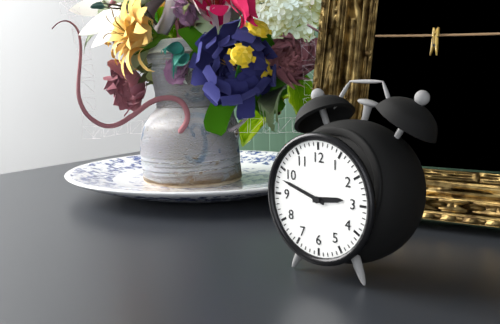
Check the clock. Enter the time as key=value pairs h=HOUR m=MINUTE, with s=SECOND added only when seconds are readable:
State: h=2 m=48
